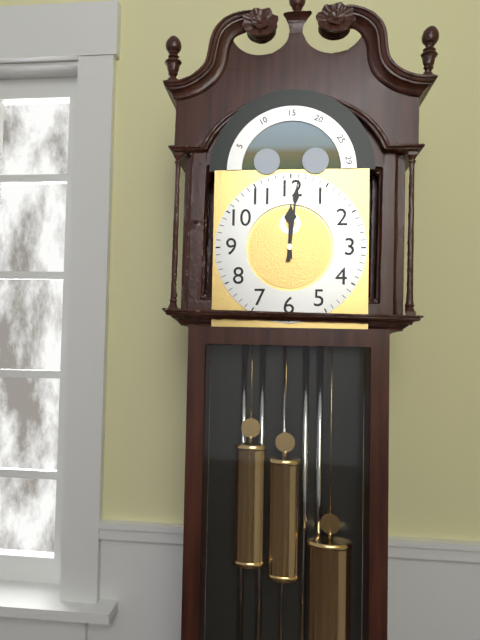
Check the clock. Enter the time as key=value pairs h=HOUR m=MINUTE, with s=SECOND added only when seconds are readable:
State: h=12 m=1
